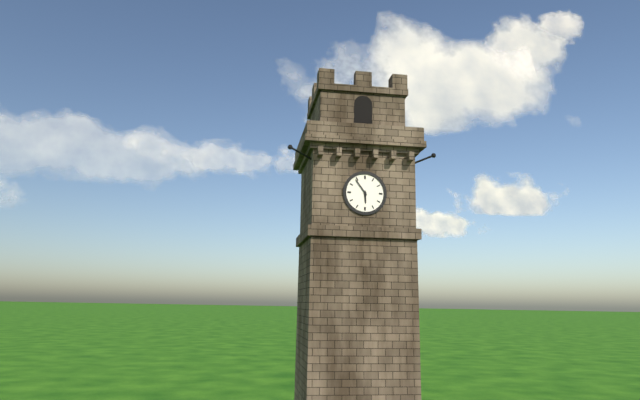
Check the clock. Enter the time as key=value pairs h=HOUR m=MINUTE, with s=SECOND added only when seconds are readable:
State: h=5 m=54
